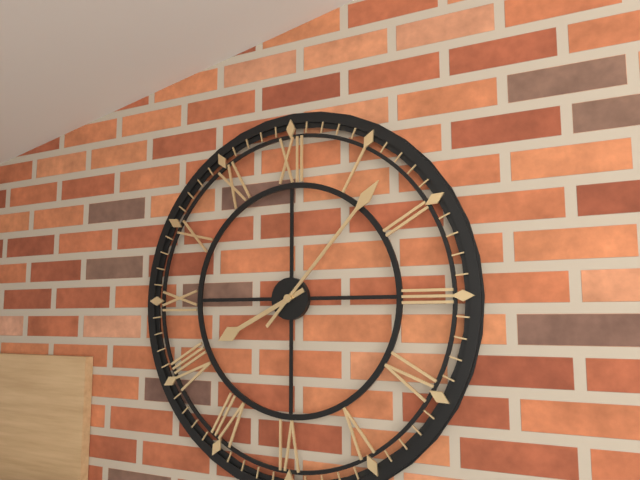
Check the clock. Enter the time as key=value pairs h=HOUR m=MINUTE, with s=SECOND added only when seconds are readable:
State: h=8 m=7
